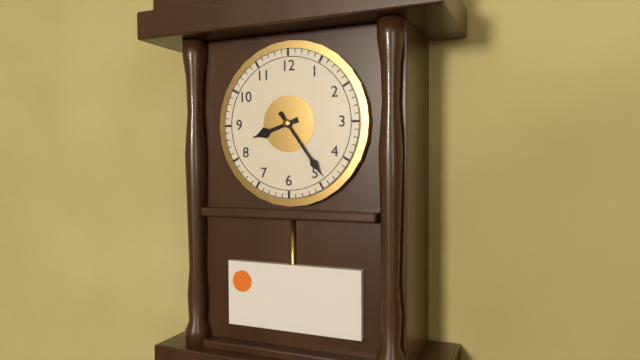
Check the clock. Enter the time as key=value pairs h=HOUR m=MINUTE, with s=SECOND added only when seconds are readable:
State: h=8 m=24
